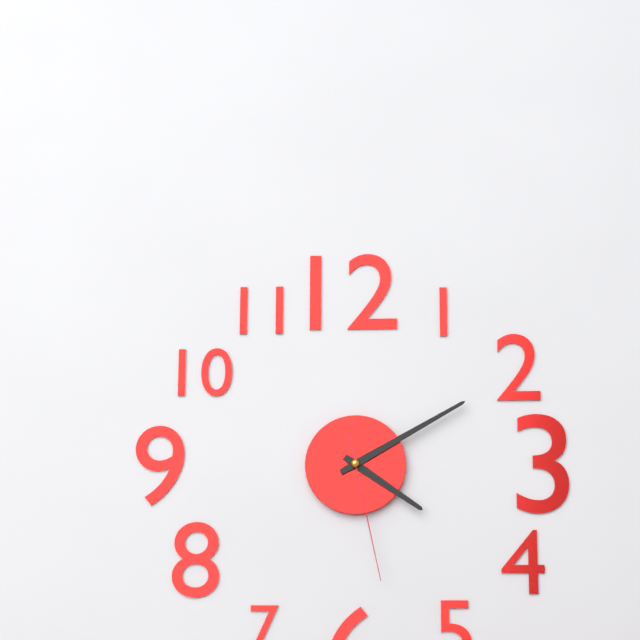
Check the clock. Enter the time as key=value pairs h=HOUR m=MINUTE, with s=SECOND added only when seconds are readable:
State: h=4 m=10 s=28
